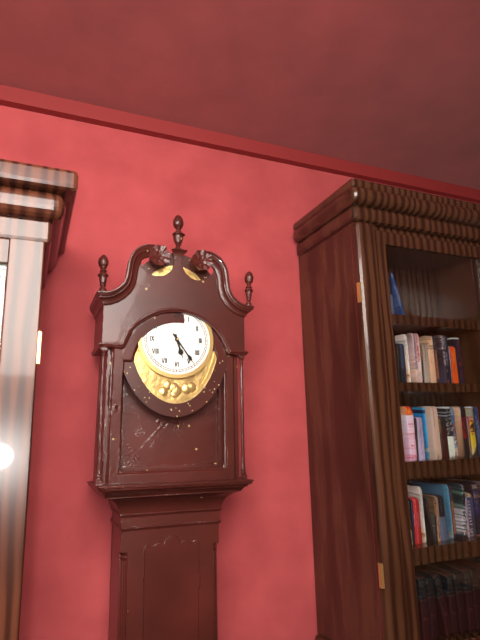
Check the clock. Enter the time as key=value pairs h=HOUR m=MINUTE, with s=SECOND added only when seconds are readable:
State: h=5 m=24
